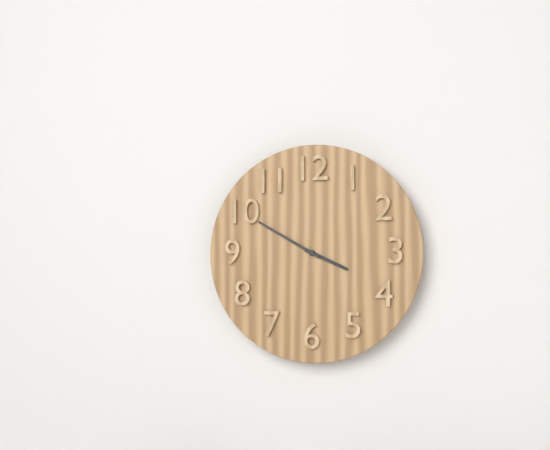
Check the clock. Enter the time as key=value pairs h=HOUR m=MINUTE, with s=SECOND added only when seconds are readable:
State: h=3 m=50
